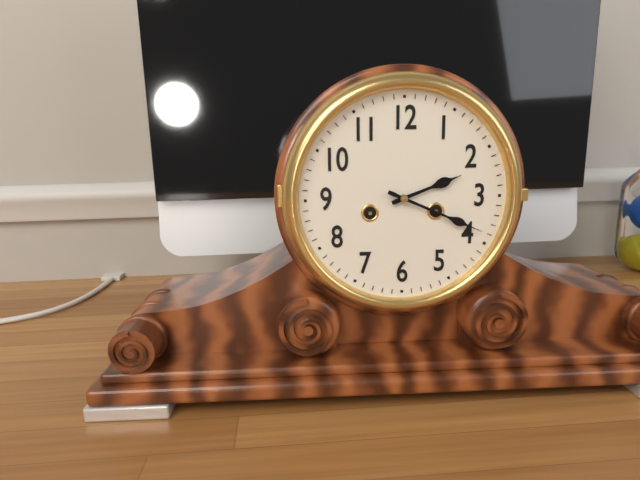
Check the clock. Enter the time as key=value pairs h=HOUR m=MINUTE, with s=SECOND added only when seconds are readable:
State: h=2 m=19
